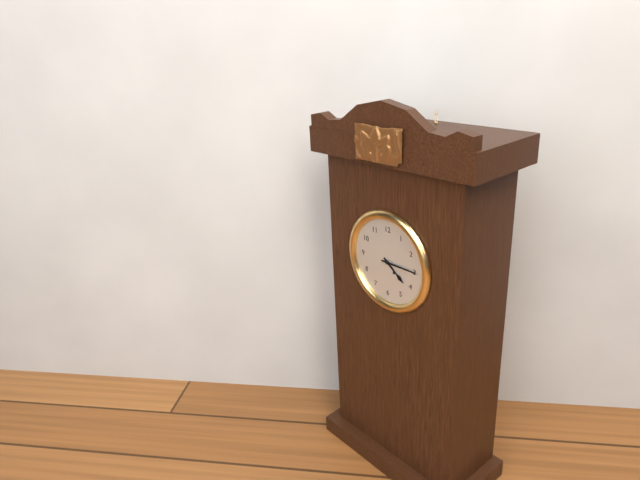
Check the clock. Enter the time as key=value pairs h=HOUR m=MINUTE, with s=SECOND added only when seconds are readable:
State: h=4 m=15
